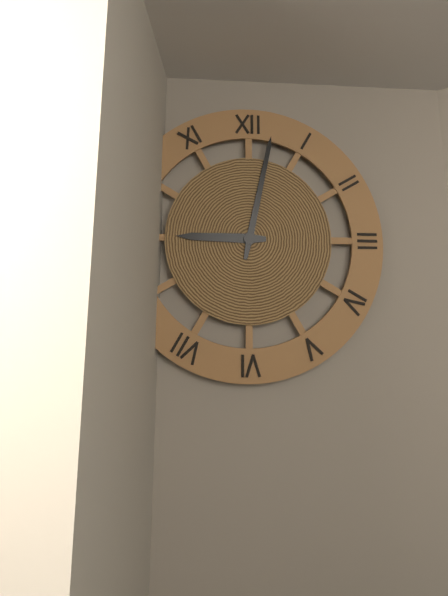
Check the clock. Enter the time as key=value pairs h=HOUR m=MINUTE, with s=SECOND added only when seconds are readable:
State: h=9 m=2
